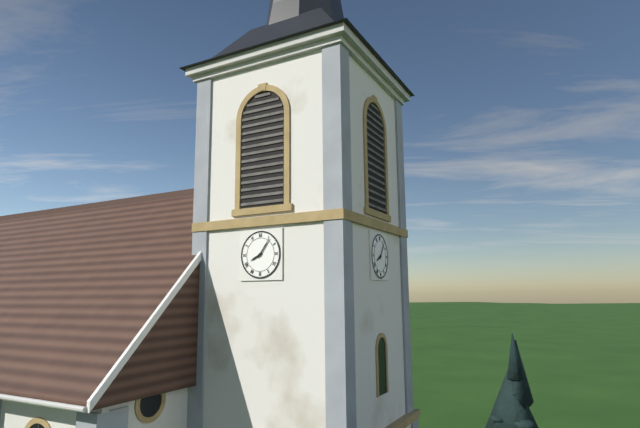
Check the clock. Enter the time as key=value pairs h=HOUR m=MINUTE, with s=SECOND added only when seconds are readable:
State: h=8 m=6
